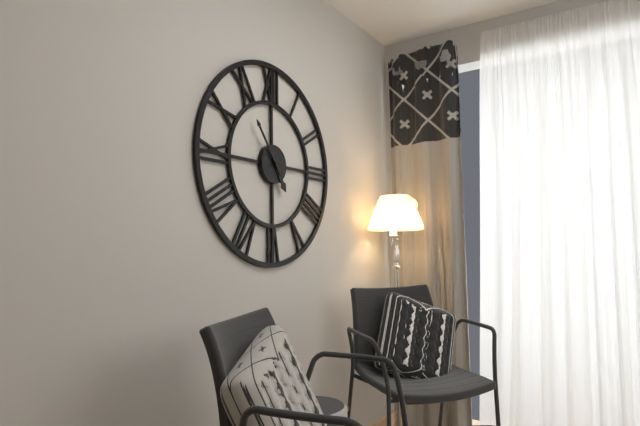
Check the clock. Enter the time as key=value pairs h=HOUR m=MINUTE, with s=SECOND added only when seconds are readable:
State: h=4 m=54
